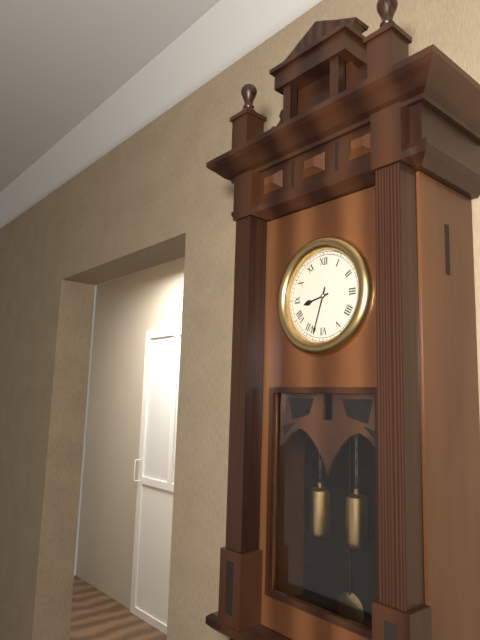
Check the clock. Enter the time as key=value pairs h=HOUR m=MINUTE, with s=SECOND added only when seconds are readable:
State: h=8 m=33
